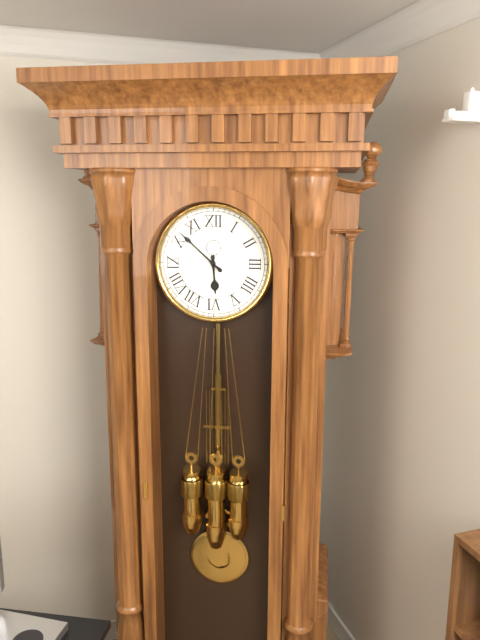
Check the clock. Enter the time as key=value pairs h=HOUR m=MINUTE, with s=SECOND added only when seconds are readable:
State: h=5 m=52
